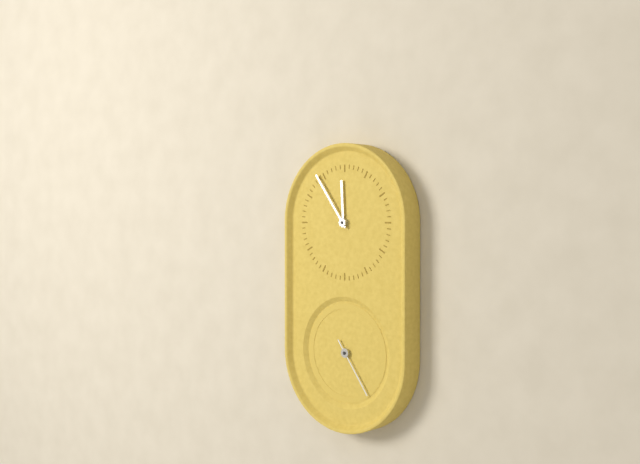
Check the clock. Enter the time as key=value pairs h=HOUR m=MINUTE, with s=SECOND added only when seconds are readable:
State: h=11 m=54 s=24
